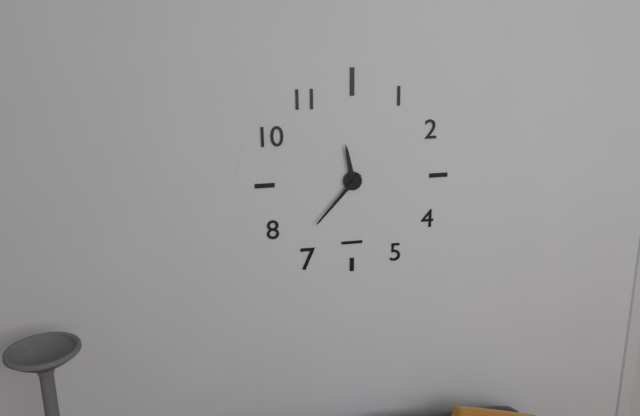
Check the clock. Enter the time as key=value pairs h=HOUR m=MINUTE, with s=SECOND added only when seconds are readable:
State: h=11 m=37
